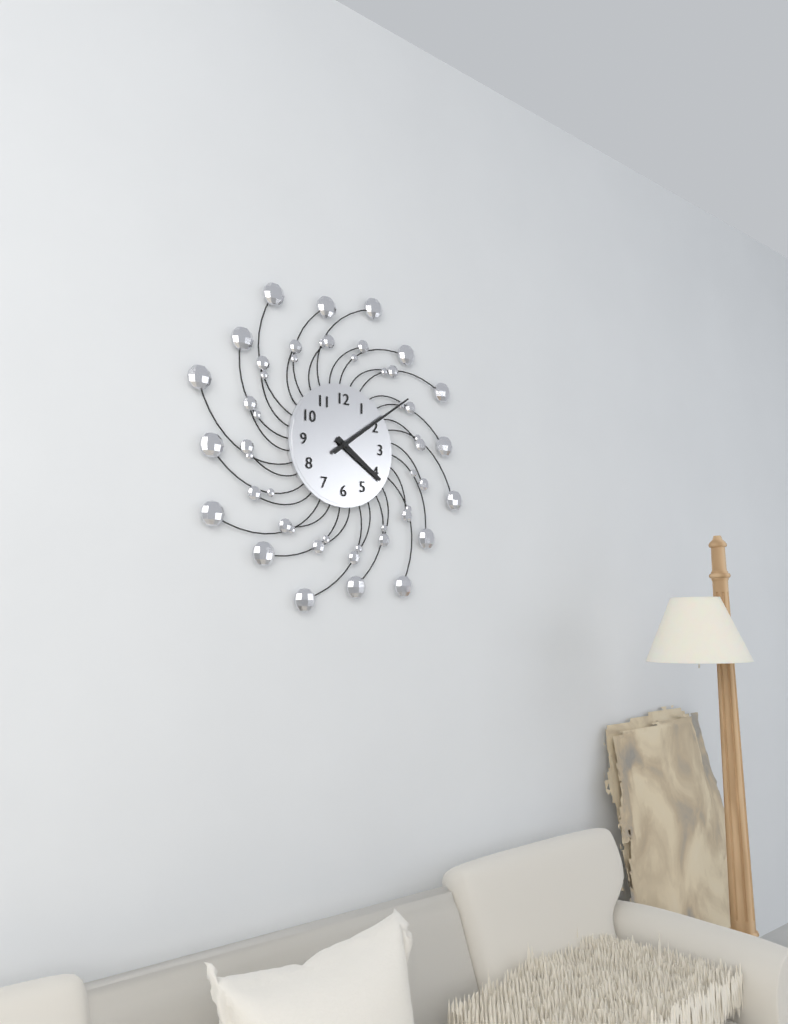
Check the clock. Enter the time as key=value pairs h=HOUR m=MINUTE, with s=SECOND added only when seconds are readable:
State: h=4 m=9
